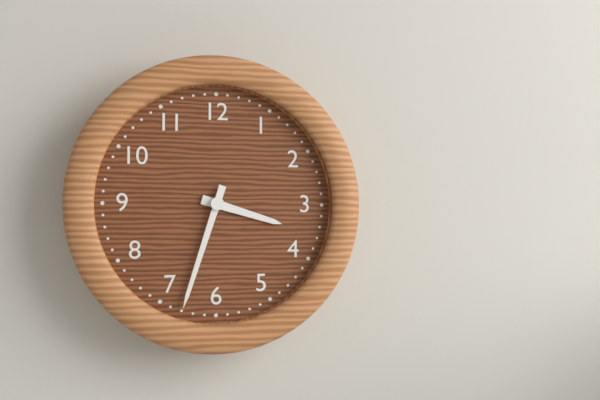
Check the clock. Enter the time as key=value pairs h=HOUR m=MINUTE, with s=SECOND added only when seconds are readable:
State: h=3 m=33
